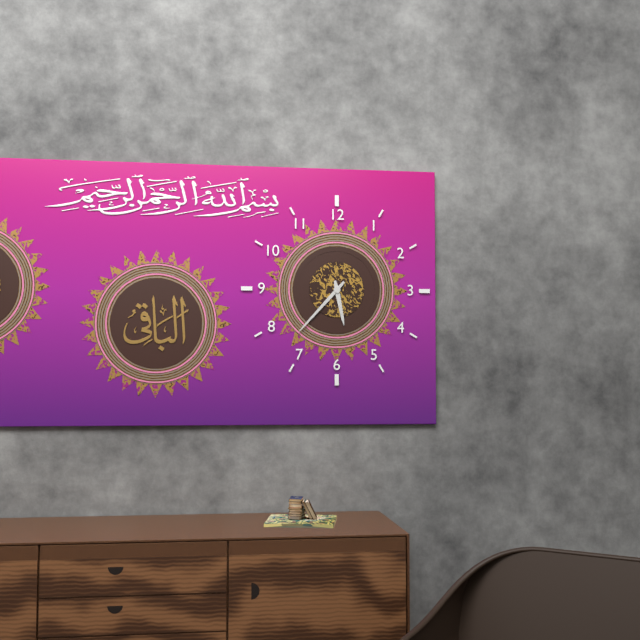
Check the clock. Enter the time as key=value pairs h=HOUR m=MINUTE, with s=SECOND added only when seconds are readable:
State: h=5 m=37
